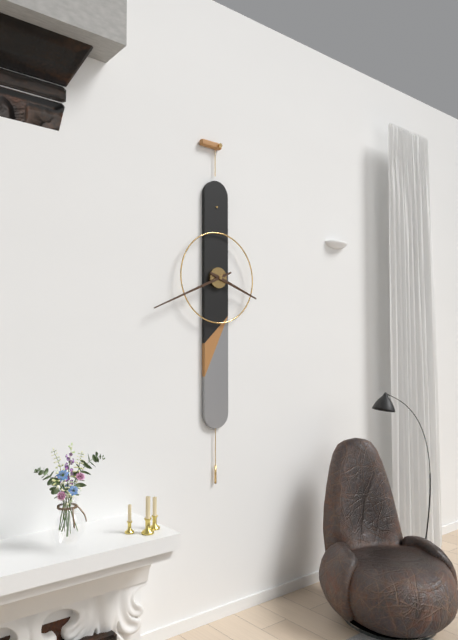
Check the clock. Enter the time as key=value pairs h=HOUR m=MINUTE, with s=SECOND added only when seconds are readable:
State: h=3 m=41
